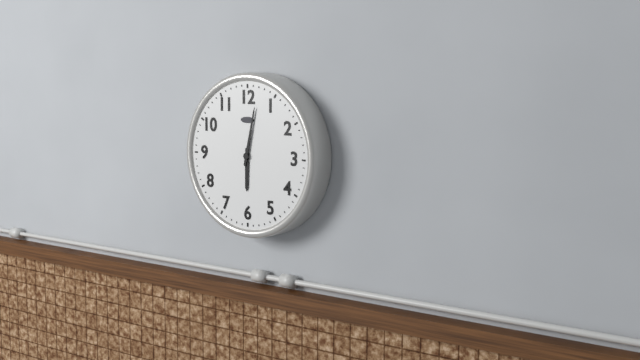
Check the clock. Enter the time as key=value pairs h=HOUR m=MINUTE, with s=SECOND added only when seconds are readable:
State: h=6 m=2
